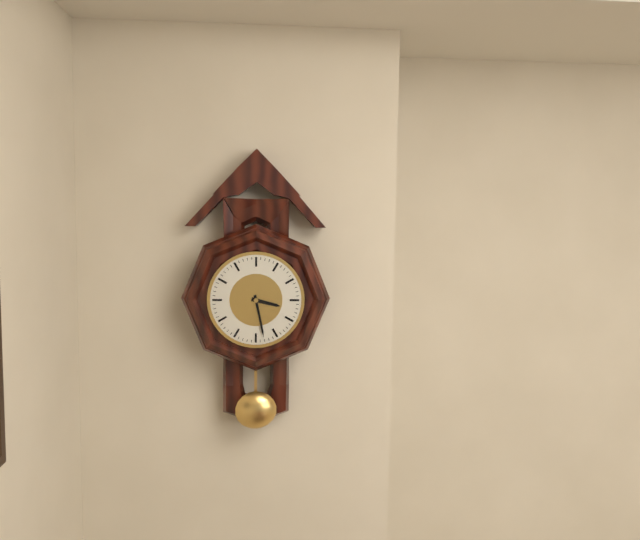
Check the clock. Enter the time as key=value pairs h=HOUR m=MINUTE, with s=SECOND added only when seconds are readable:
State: h=3 m=28
